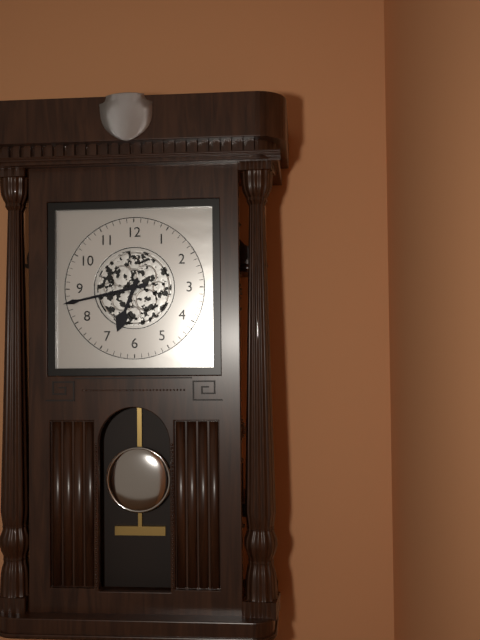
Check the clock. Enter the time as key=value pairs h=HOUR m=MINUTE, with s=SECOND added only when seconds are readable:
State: h=6 m=43
